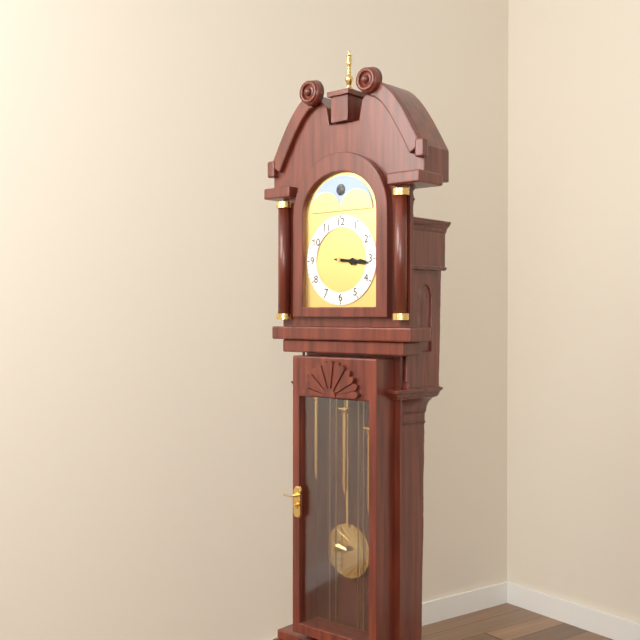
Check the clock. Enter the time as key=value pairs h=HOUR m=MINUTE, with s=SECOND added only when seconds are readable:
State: h=3 m=16
